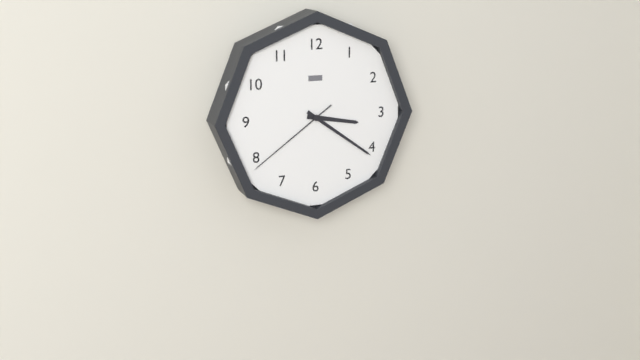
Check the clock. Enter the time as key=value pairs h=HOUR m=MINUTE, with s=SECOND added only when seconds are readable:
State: h=3 m=21 s=39
